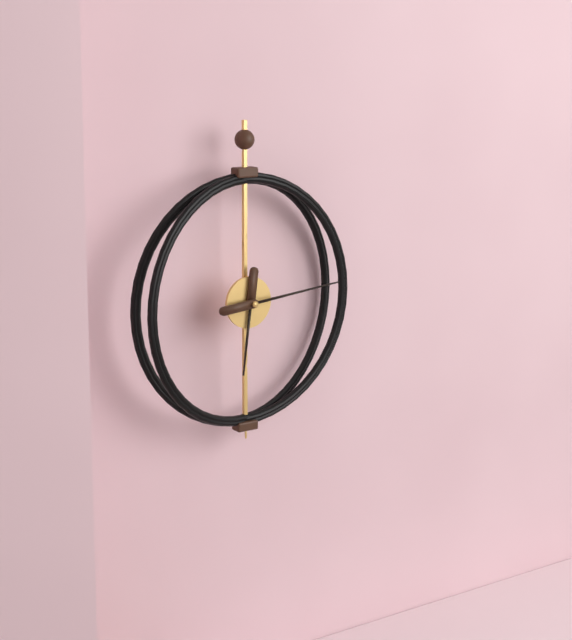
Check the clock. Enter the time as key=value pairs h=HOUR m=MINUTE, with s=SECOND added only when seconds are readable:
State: h=6 m=14
